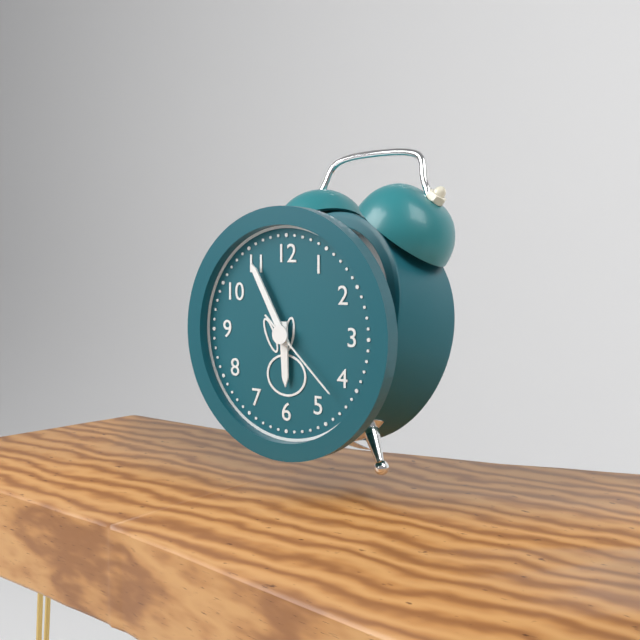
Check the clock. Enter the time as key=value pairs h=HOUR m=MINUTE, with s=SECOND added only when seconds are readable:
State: h=5 m=55 s=22
